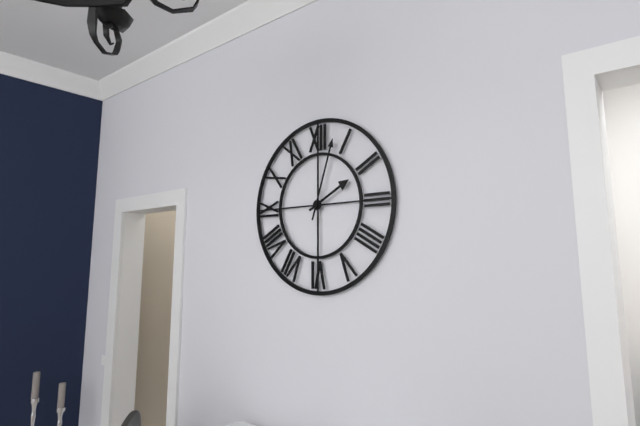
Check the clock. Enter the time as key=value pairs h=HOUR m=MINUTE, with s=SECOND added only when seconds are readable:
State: h=2 m=3
